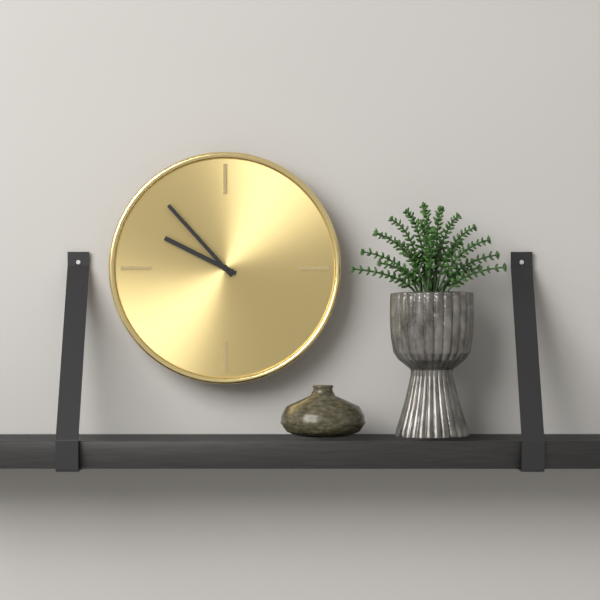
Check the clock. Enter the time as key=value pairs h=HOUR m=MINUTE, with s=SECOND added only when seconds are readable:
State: h=9 m=53
